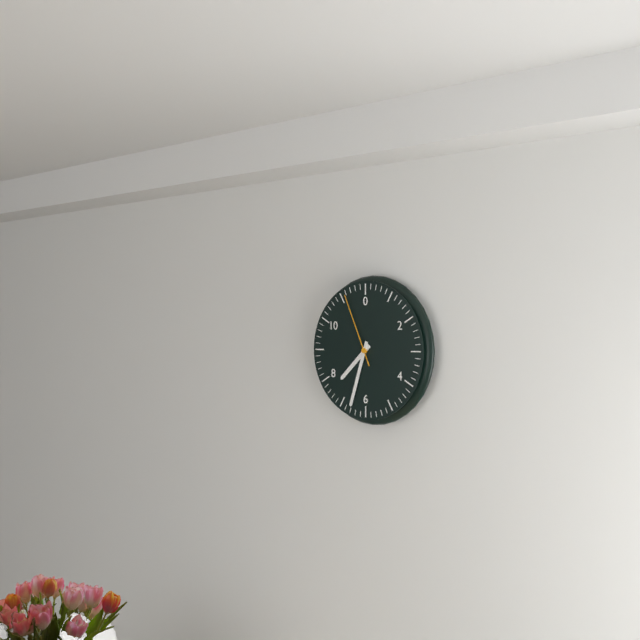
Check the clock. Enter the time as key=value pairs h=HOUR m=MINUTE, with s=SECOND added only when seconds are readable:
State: h=7 m=33 s=56
